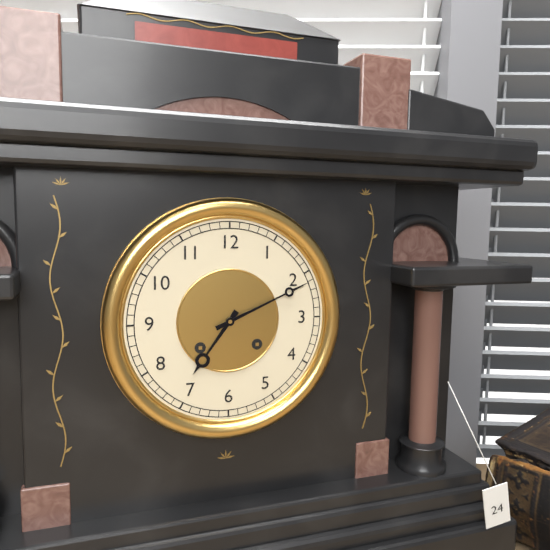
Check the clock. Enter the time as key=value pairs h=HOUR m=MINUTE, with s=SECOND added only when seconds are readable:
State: h=7 m=11
